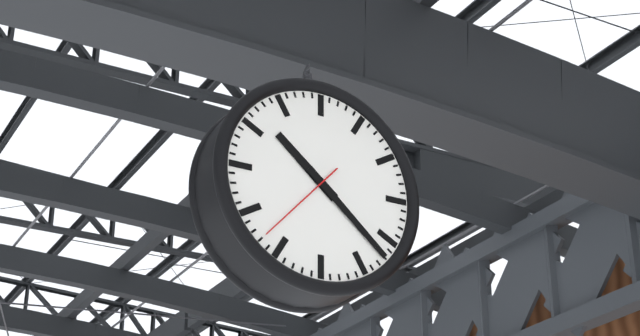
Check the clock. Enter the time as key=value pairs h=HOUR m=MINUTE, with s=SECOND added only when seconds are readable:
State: h=10 m=22 s=37
